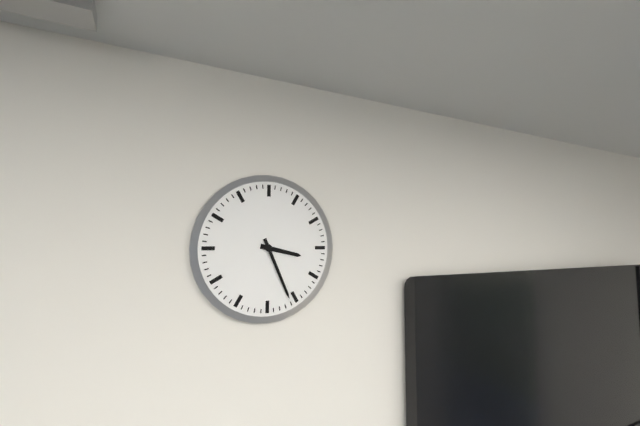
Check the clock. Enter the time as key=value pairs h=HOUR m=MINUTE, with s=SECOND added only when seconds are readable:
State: h=3 m=26
